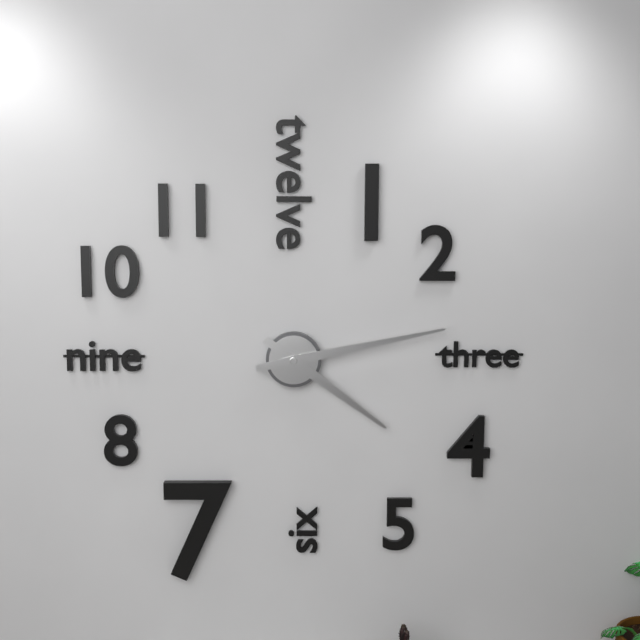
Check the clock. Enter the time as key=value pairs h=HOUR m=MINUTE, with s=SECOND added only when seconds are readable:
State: h=4 m=13
